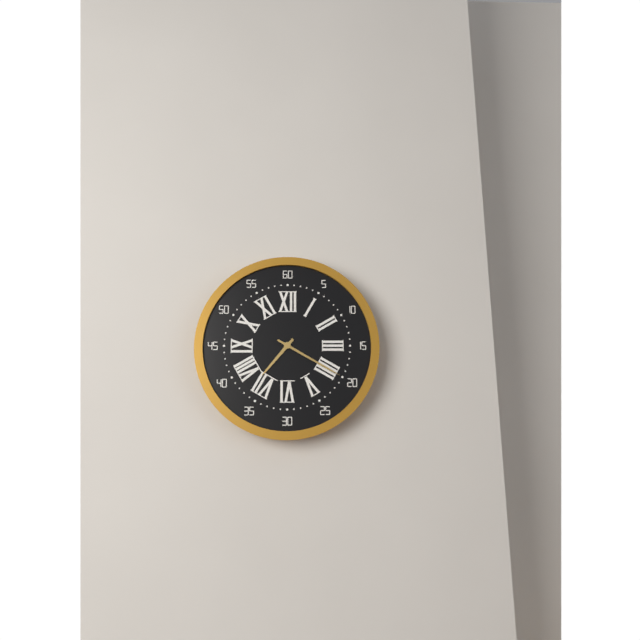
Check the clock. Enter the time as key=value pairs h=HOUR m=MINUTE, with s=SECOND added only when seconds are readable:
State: h=7 m=20
